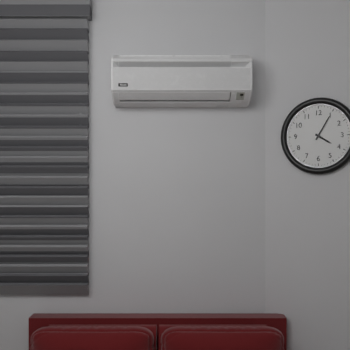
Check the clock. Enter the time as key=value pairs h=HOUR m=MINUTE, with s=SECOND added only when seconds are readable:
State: h=4 m=5
